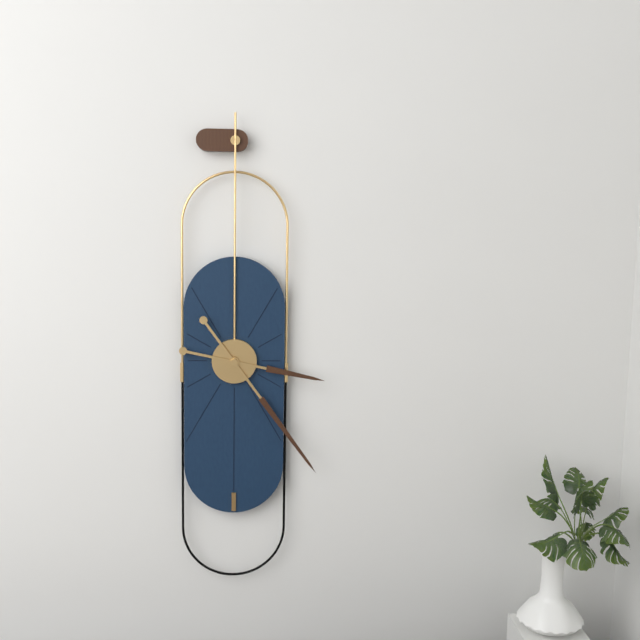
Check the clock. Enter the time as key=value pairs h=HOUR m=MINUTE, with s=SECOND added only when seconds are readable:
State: h=3 m=24
